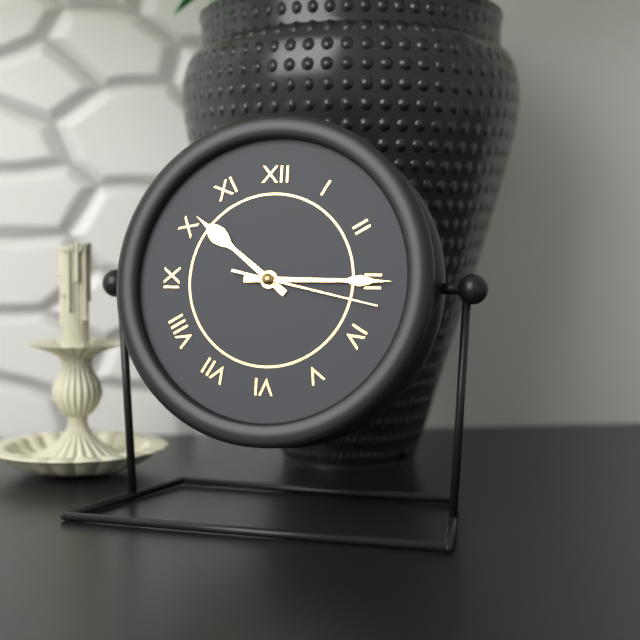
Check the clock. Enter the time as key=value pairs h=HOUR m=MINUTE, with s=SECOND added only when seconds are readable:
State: h=10 m=15 s=17
